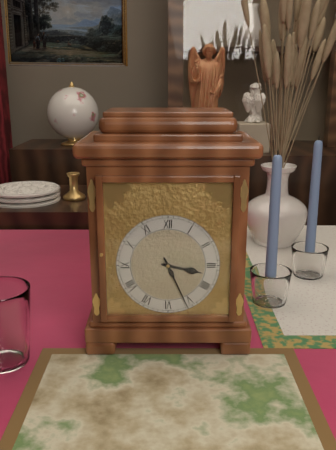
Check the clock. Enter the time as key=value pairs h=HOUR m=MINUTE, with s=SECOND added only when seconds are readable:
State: h=3 m=26
